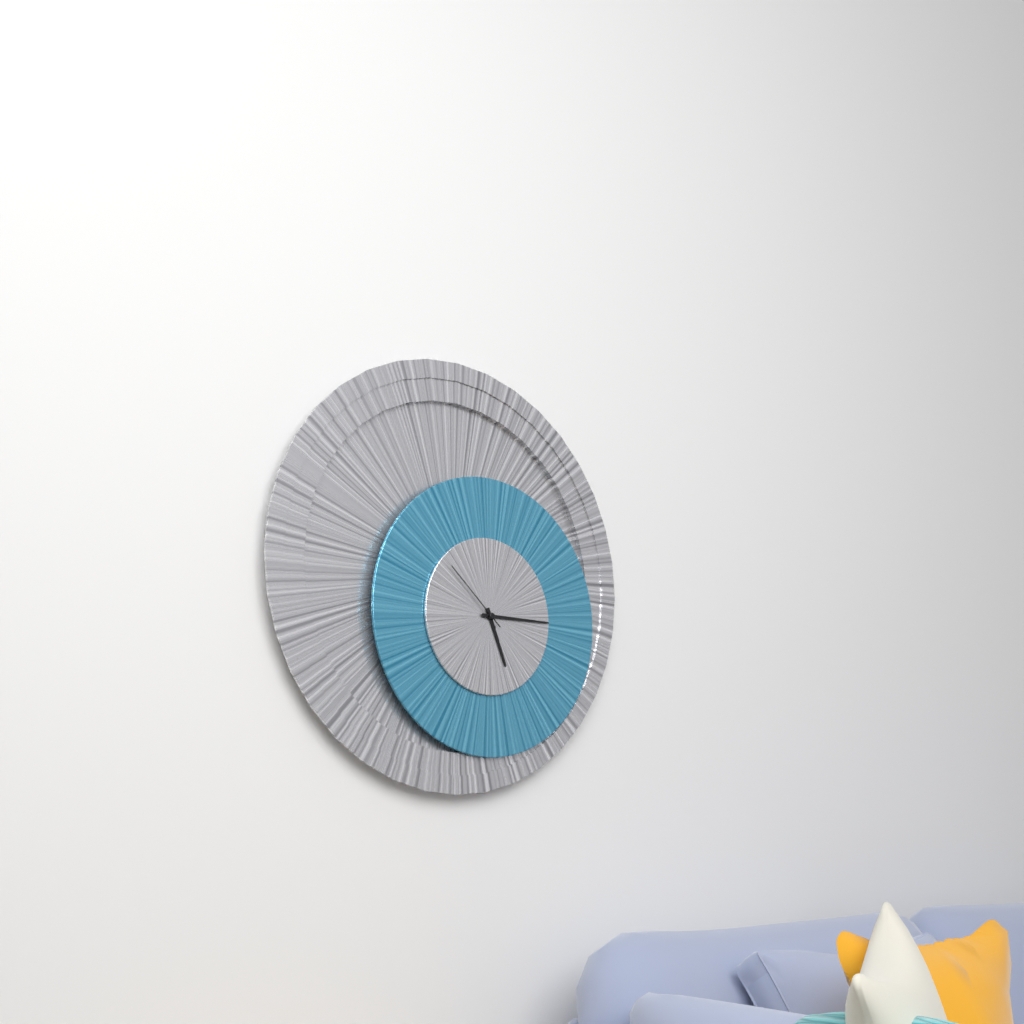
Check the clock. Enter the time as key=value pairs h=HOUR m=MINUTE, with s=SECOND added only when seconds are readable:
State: h=5 m=15 s=52
